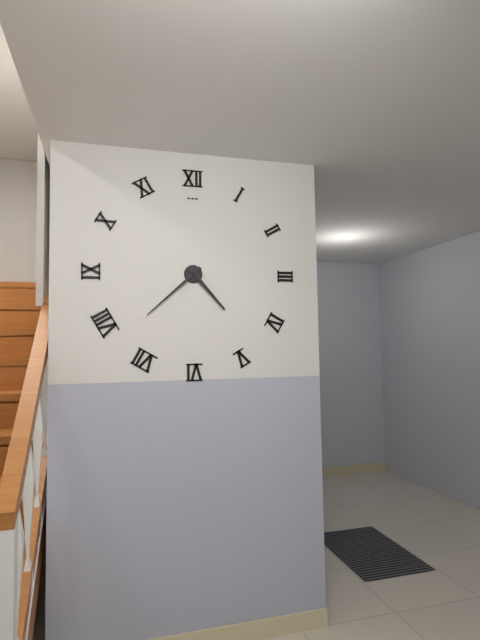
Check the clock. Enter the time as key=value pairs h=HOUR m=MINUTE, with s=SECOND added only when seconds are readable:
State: h=4 m=38
